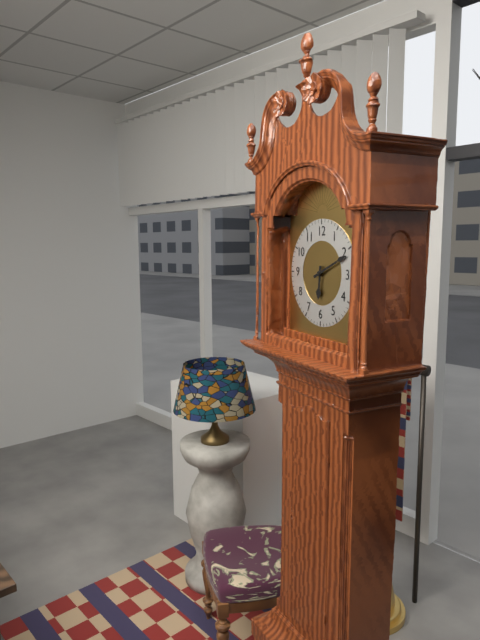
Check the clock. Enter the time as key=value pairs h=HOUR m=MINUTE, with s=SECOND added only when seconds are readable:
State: h=6 m=11
